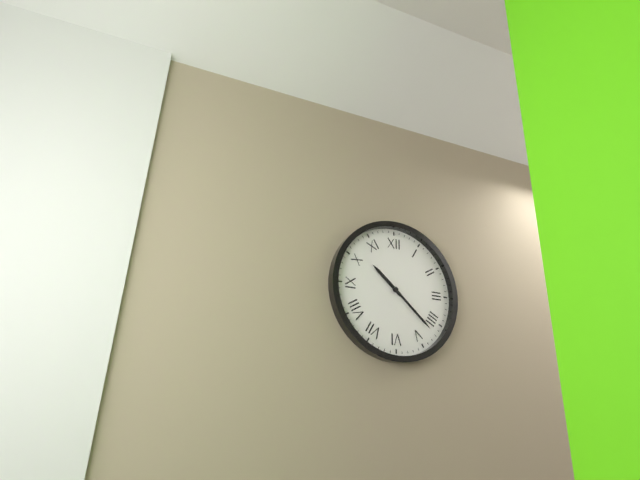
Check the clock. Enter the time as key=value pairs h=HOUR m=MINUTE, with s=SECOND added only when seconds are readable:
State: h=10 m=22
